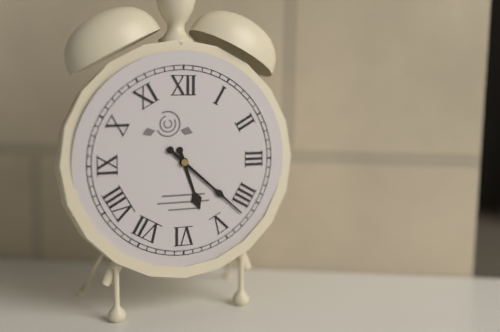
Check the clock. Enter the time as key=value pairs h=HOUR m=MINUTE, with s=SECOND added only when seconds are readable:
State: h=5 m=22
